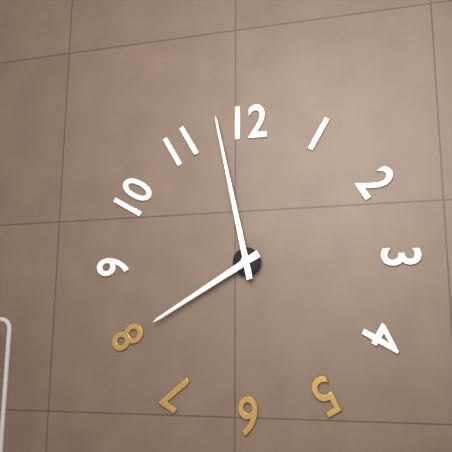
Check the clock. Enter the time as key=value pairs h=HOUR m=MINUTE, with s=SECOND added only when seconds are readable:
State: h=7 m=58
